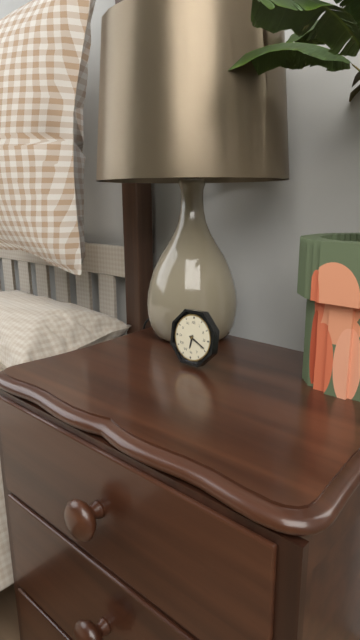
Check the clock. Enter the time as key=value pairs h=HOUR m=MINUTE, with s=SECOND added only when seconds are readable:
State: h=6 m=19
